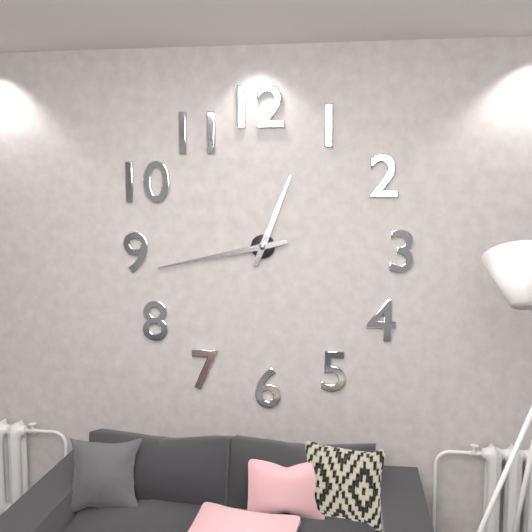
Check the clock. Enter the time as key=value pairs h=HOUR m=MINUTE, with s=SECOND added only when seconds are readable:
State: h=12 m=43
